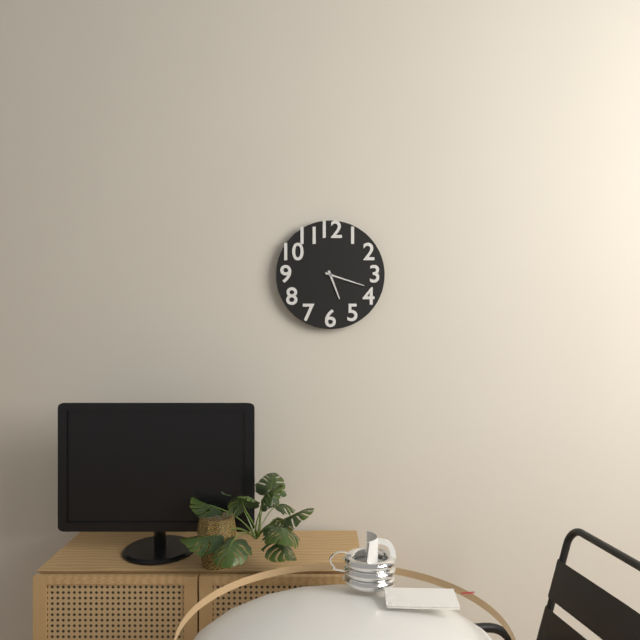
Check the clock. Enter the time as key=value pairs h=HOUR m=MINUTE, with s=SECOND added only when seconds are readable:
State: h=5 m=18
